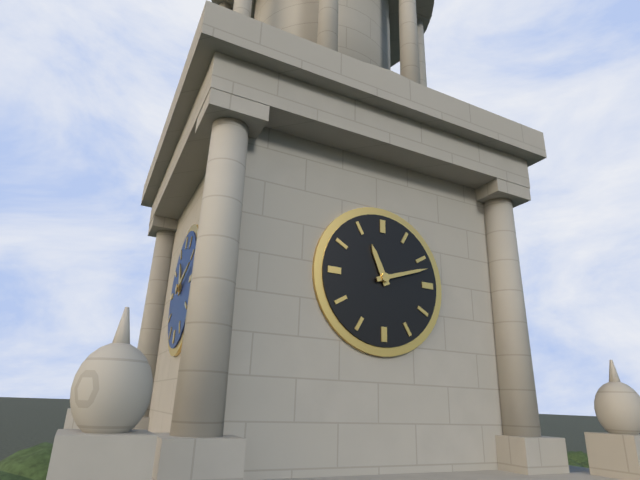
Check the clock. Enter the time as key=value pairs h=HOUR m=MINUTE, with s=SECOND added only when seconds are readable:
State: h=11 m=12
